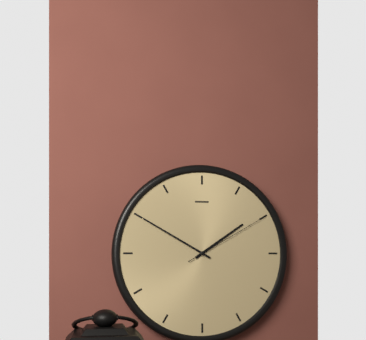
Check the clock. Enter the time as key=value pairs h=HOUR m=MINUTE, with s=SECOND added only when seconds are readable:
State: h=1 m=50 s=10
